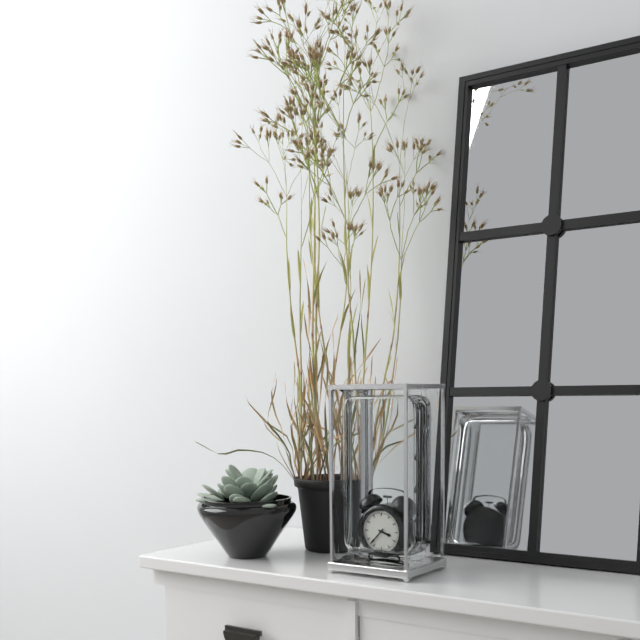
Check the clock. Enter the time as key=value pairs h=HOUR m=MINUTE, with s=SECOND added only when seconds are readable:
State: h=3 m=37
